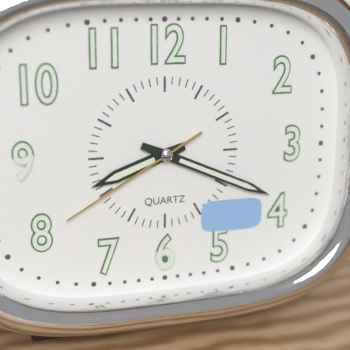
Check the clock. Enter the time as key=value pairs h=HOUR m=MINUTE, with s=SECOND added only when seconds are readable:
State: h=8 m=19 s=40
